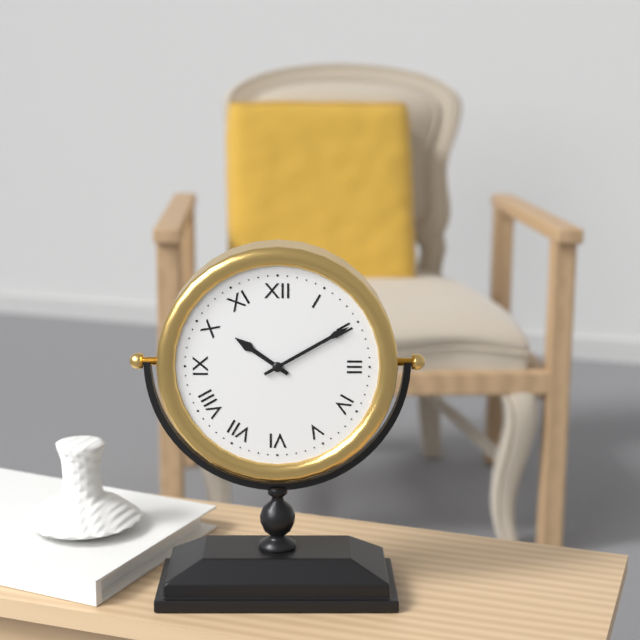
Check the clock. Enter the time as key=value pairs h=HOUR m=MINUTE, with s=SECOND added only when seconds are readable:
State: h=10 m=10
